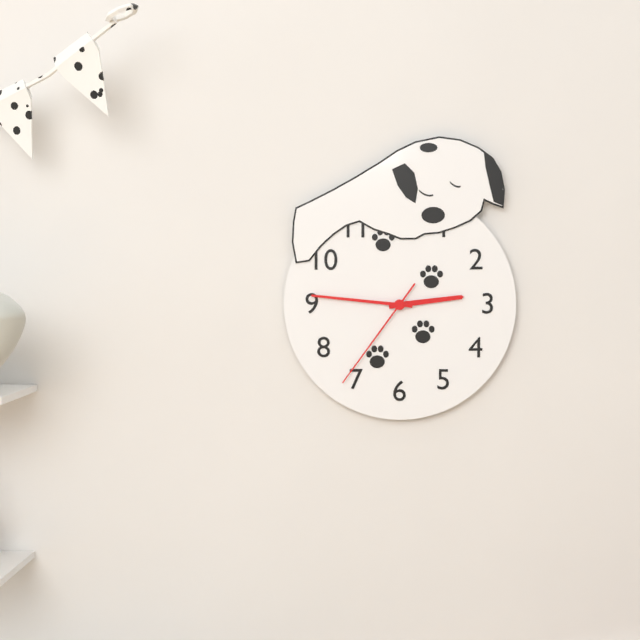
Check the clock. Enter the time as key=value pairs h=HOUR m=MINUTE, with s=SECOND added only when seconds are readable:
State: h=2 m=46 s=36
